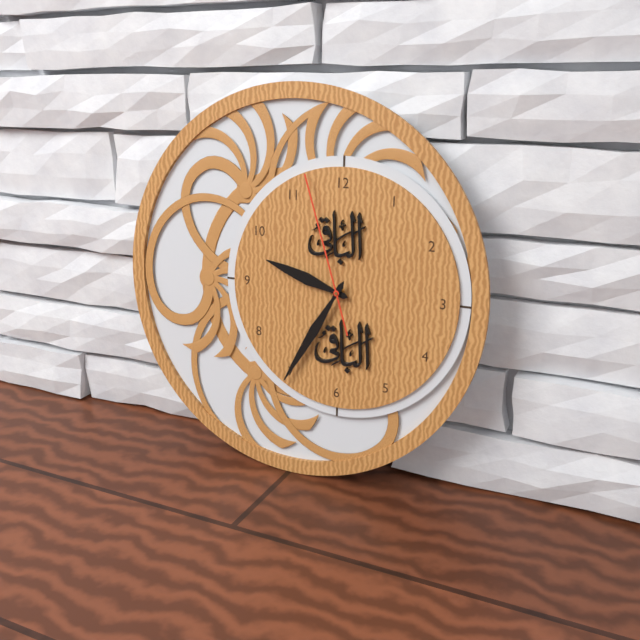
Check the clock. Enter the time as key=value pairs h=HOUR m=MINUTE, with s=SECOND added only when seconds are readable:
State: h=9 m=35 s=57
